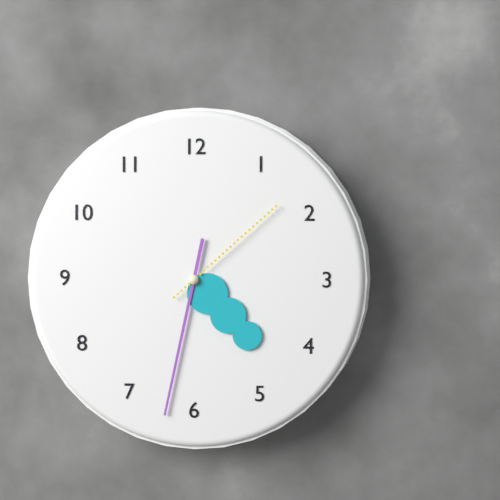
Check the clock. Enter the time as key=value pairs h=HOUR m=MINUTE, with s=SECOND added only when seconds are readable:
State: h=4 m=32 s=8
